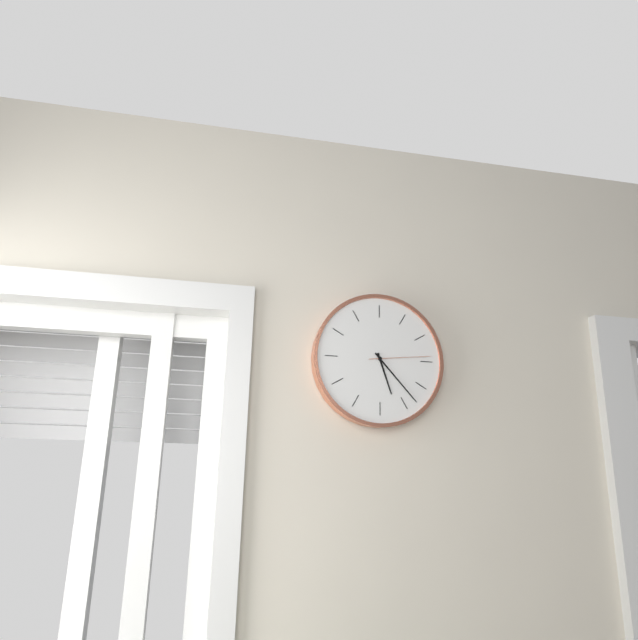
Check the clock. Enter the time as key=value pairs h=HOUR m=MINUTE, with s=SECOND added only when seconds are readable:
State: h=5 m=23 s=14
